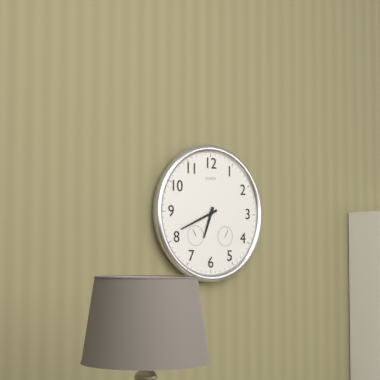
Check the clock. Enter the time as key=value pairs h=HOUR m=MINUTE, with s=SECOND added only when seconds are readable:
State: h=6 m=41
